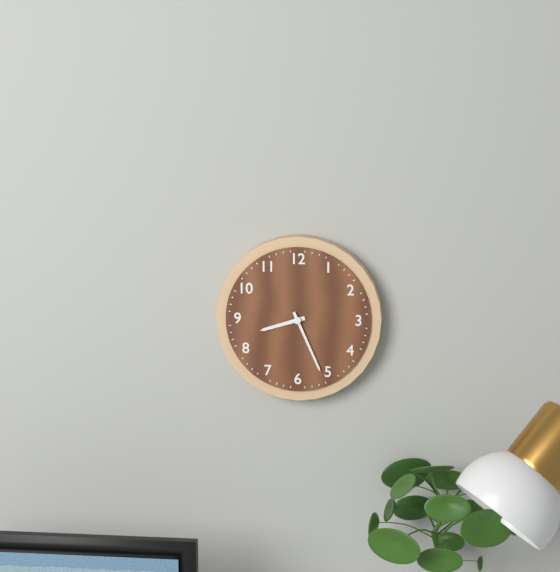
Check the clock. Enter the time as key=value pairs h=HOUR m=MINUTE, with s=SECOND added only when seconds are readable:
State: h=8 m=26
